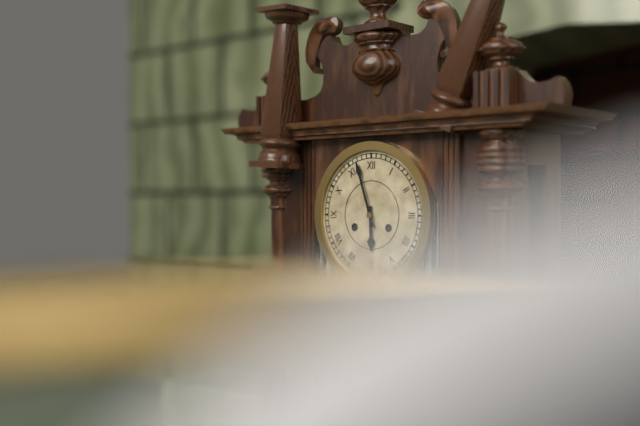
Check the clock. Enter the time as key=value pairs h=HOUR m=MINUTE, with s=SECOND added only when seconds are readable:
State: h=5 m=57
